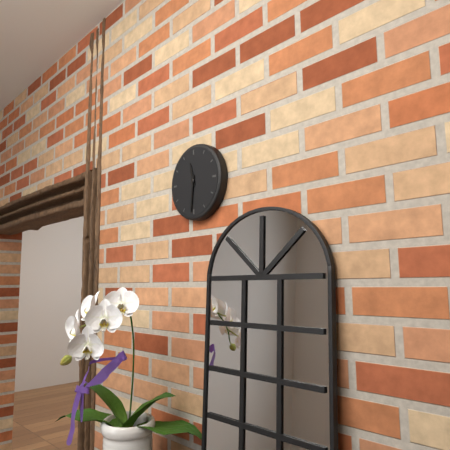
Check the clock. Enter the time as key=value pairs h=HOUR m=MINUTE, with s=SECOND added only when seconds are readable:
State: h=11 m=31
